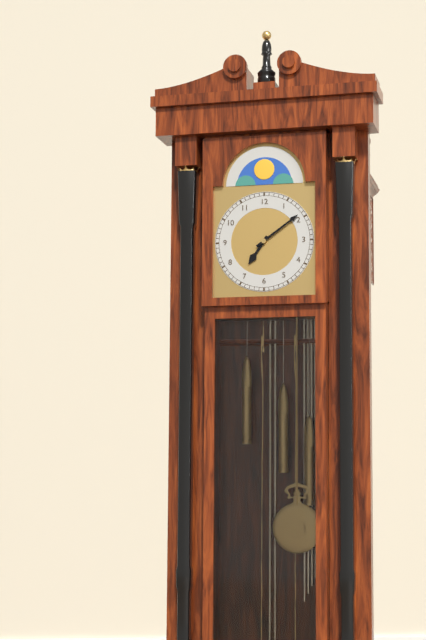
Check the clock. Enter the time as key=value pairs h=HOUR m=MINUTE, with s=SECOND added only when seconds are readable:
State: h=7 m=9
